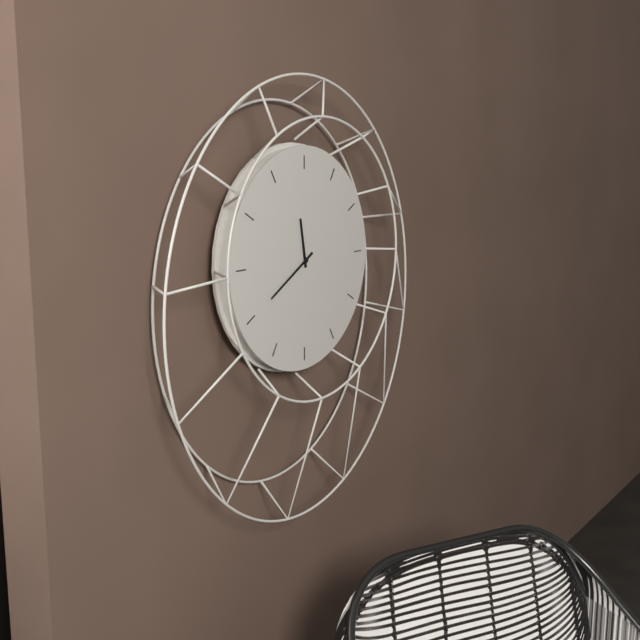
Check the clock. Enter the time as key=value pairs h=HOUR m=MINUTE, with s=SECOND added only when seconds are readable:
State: h=11 m=40
